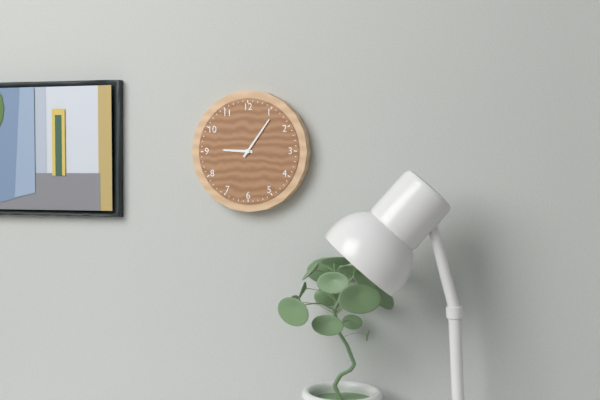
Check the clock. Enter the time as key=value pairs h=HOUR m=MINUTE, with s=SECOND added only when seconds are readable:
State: h=9 m=6
